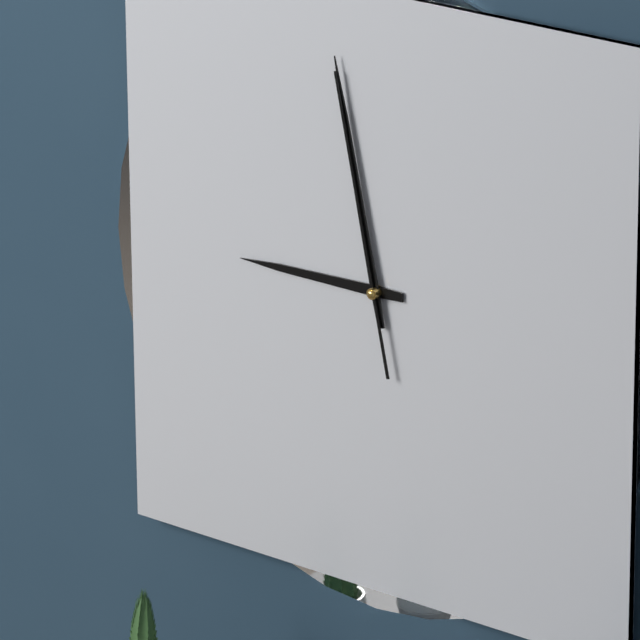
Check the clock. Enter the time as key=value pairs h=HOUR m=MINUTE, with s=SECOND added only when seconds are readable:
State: h=8 m=58 s=58
